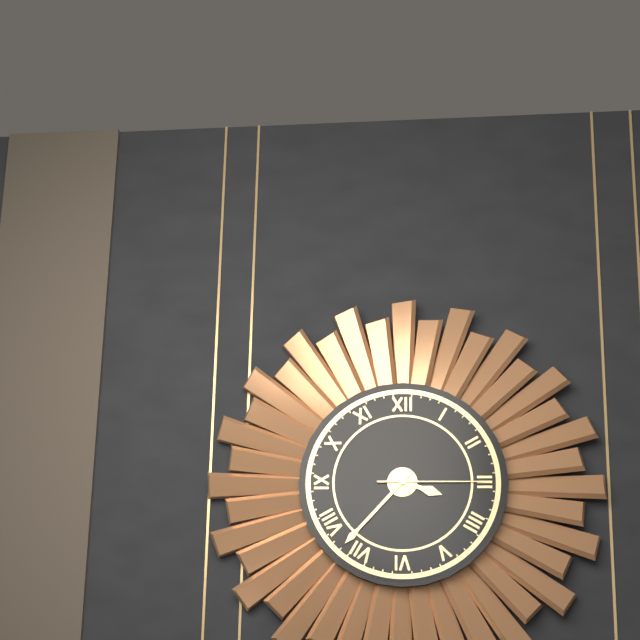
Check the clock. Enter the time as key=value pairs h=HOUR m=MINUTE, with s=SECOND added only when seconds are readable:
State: h=3 m=37 s=15
